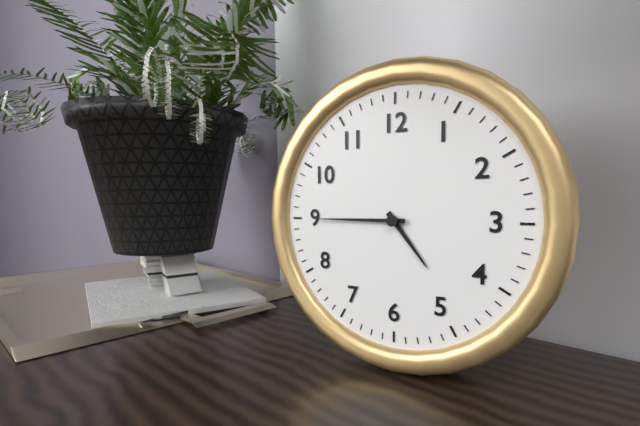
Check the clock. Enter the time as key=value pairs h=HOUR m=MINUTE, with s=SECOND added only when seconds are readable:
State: h=4 m=45
